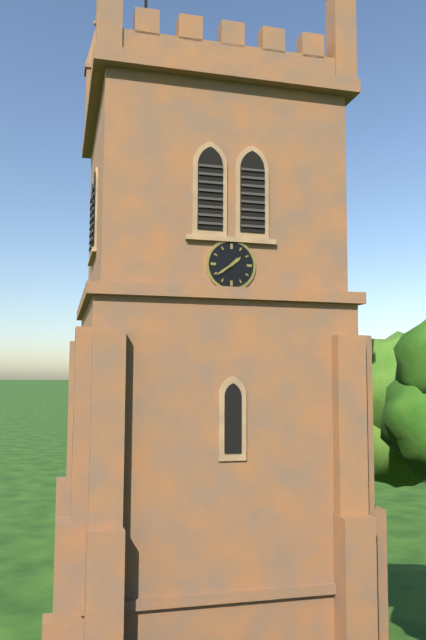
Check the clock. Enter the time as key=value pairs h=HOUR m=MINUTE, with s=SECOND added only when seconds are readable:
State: h=1 m=39
